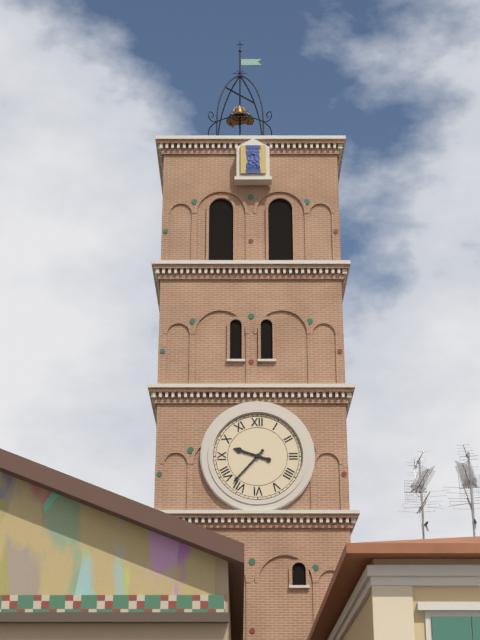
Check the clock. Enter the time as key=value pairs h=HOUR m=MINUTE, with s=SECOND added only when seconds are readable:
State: h=9 m=37
